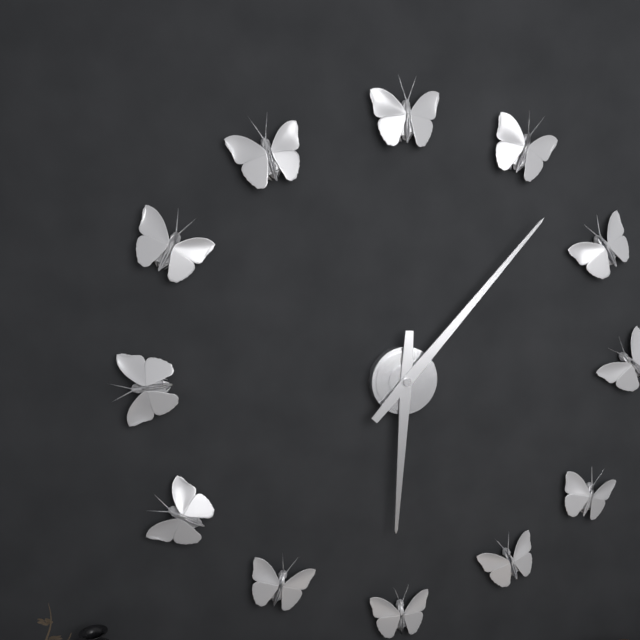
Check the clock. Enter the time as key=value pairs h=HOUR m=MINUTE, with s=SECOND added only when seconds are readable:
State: h=6 m=7
